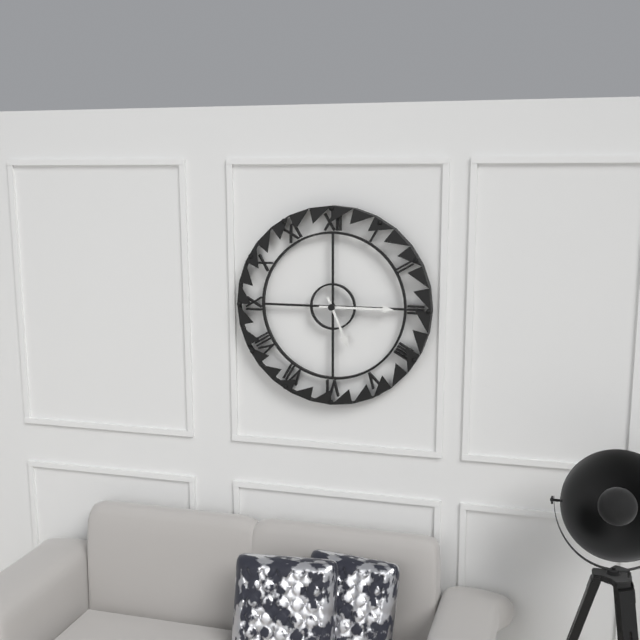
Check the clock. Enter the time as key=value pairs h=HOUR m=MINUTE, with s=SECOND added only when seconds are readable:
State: h=5 m=15
